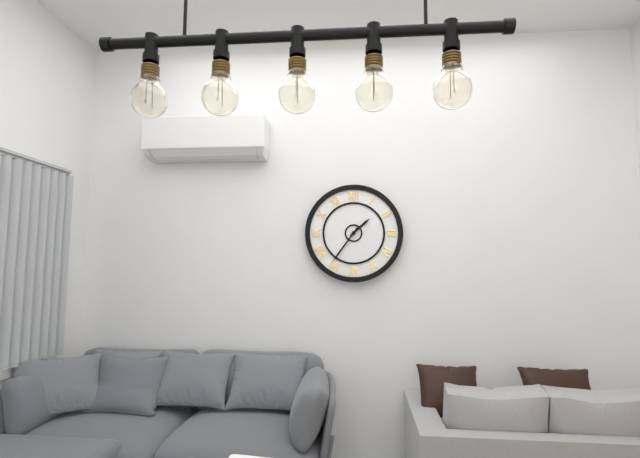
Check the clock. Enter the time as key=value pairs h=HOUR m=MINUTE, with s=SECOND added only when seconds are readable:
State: h=1 m=36
